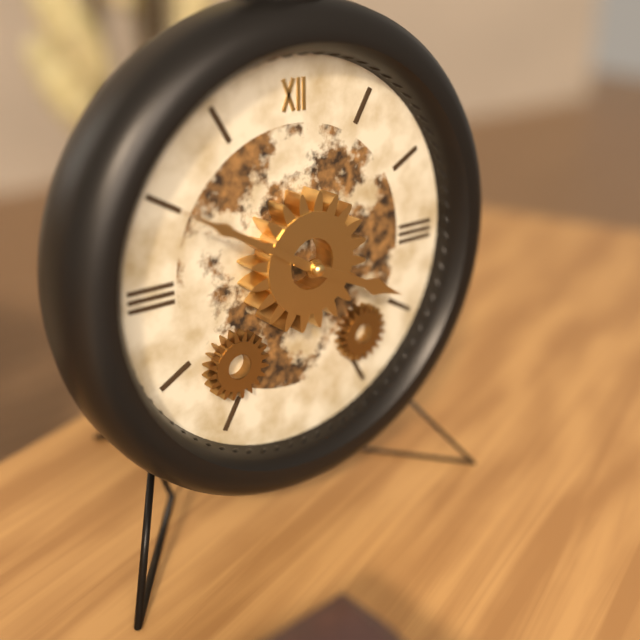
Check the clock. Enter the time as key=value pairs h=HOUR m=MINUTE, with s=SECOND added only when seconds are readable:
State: h=3 m=50
